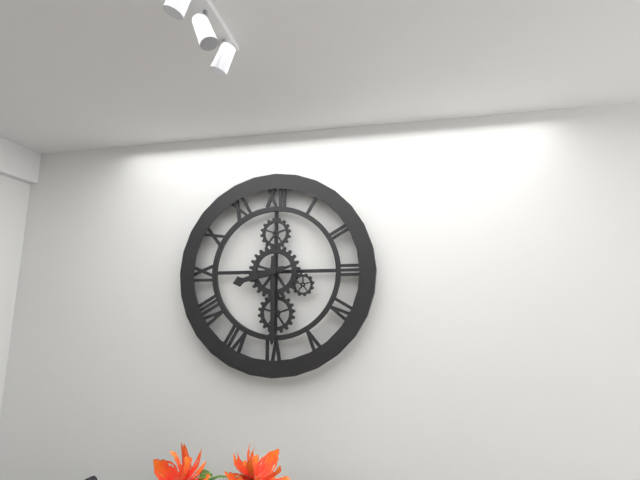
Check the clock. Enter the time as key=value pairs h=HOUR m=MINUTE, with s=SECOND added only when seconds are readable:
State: h=8 m=30
